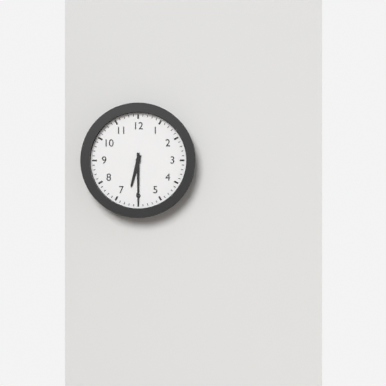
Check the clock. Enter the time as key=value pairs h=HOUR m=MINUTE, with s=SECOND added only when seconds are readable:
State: h=6 m=30
